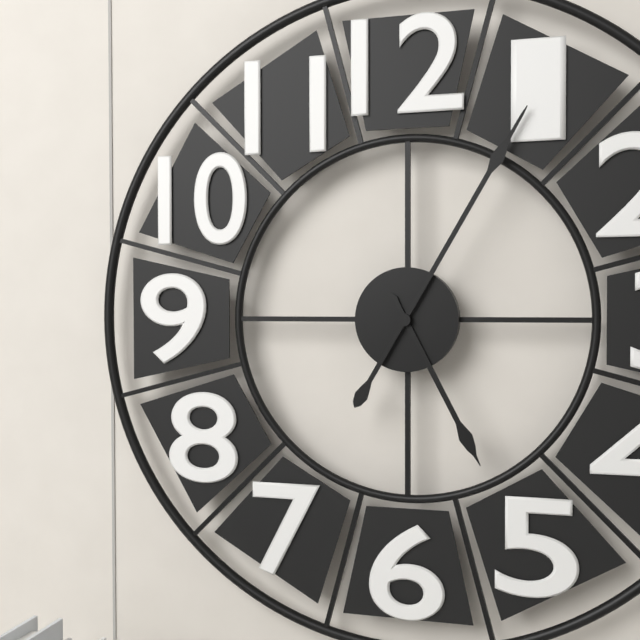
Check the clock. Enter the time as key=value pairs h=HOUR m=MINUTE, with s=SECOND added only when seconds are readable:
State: h=5 m=5
